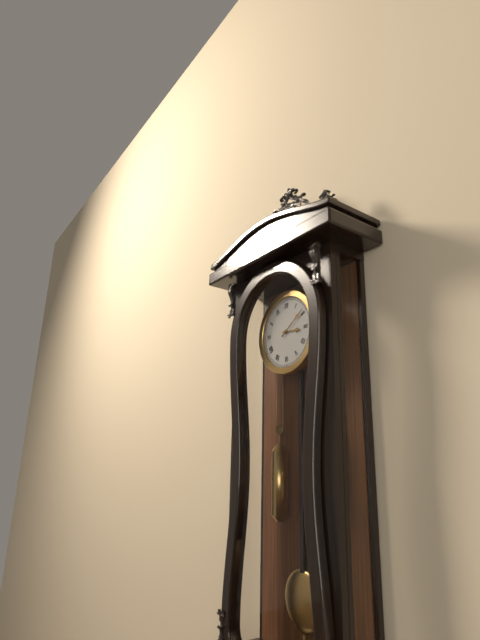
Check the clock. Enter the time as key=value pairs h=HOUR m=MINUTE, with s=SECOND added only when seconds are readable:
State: h=3 m=9
